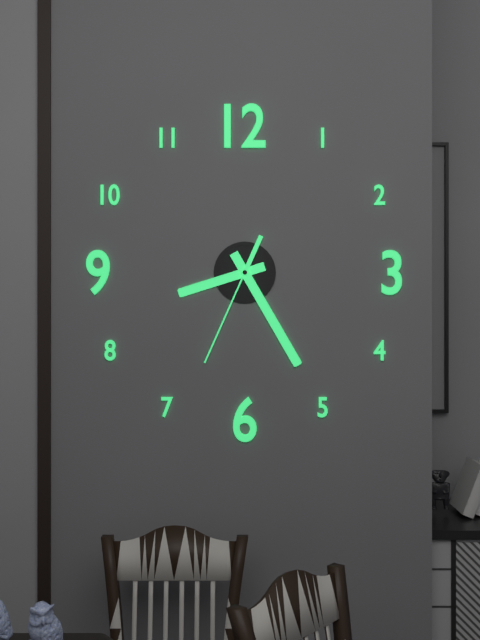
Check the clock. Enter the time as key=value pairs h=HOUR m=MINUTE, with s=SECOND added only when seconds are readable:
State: h=8 m=25 s=34
